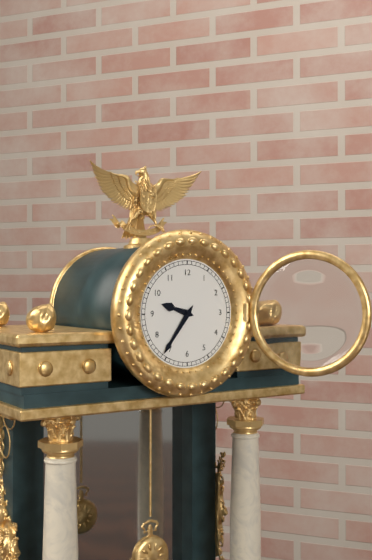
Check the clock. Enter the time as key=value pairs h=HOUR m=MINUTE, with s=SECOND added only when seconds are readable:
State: h=9 m=36
